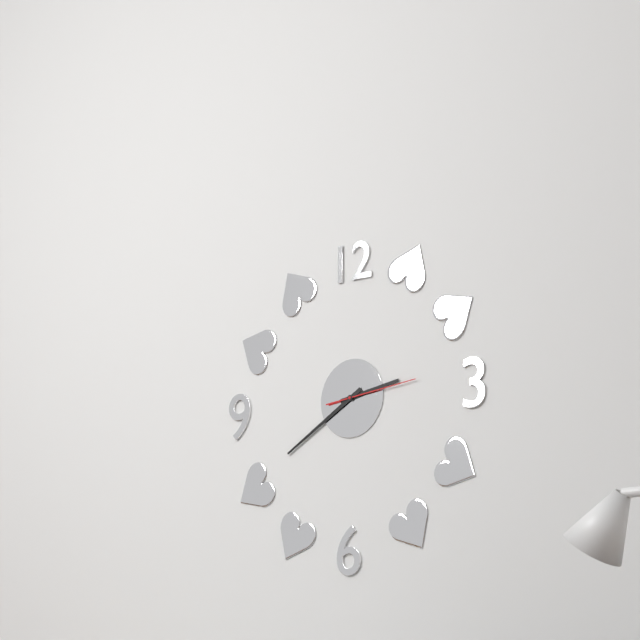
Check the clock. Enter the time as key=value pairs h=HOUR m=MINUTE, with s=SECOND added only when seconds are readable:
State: h=2 m=40 s=14
